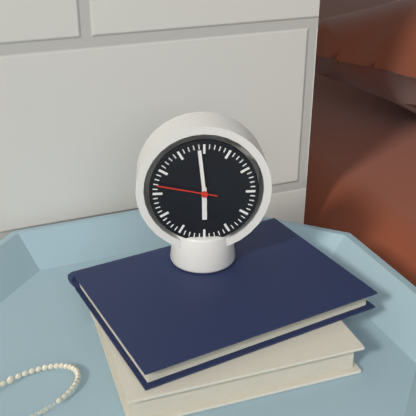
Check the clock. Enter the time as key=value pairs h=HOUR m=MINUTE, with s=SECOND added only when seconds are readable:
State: h=5 m=59 s=47
